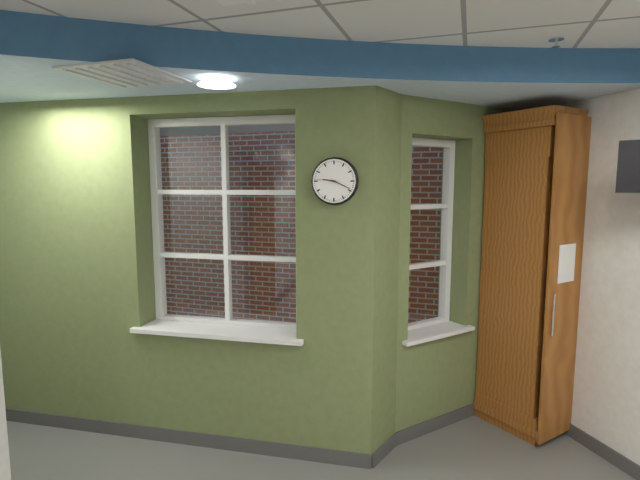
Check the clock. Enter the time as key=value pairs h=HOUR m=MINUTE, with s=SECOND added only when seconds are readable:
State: h=9 m=19
